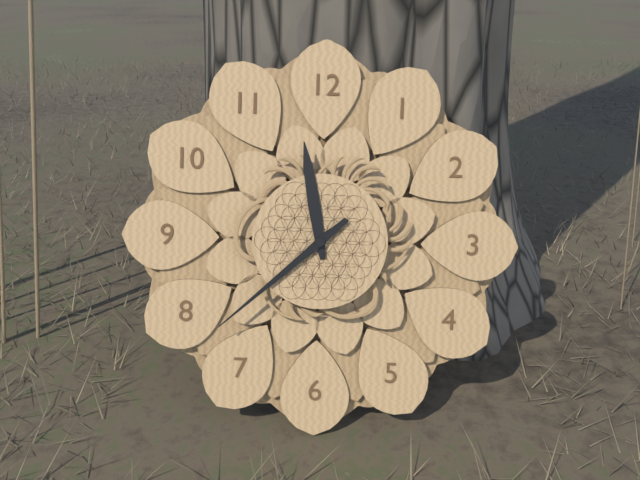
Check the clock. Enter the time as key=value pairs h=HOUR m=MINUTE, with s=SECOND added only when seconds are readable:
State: h=11 m=38
